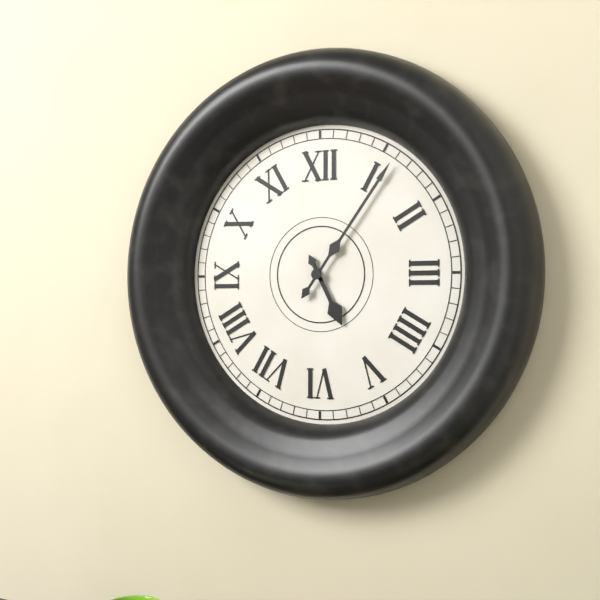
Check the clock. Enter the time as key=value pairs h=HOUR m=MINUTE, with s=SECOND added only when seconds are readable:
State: h=5 m=6
